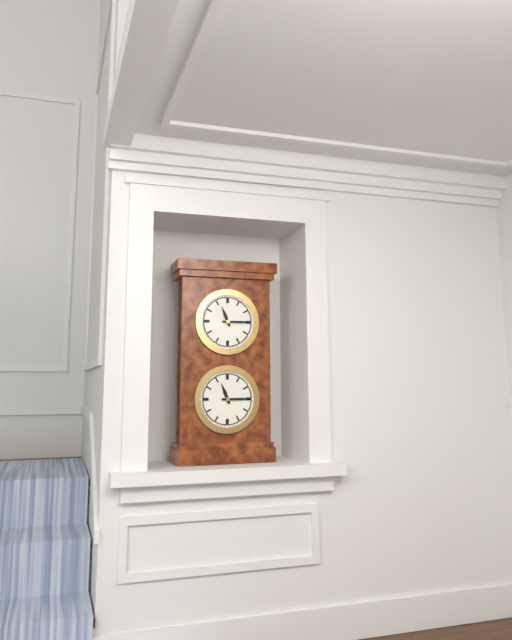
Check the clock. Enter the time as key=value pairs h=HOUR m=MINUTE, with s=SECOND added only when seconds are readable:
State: h=11 m=15
